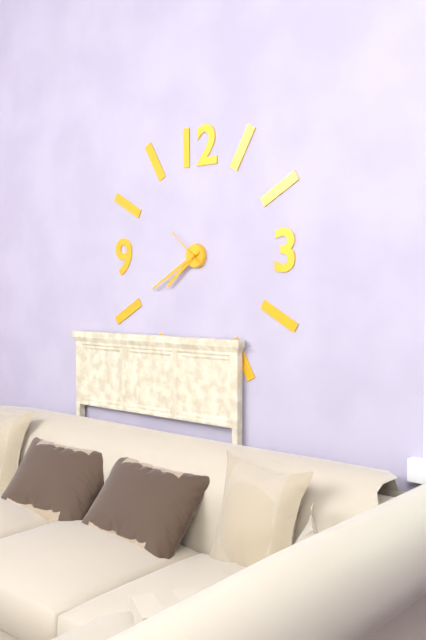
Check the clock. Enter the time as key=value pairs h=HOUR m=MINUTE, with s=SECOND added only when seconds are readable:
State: h=7 m=40
